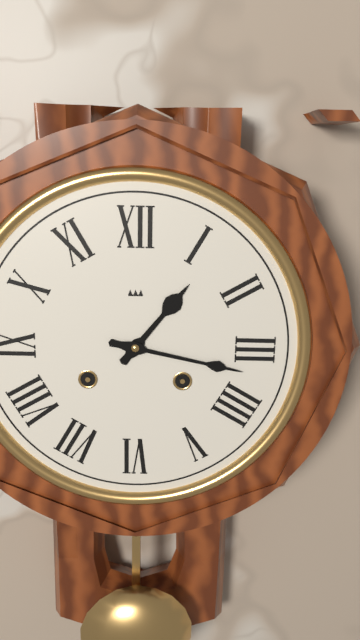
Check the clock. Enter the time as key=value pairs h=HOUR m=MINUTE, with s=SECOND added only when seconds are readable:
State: h=1 m=17
